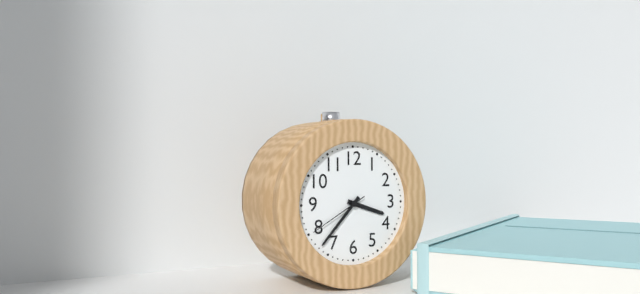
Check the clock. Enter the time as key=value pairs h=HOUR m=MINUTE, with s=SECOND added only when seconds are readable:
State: h=3 m=37 s=40
